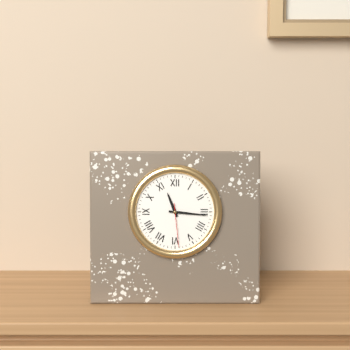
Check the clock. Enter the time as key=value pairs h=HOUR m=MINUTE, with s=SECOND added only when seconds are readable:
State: h=11 m=16
